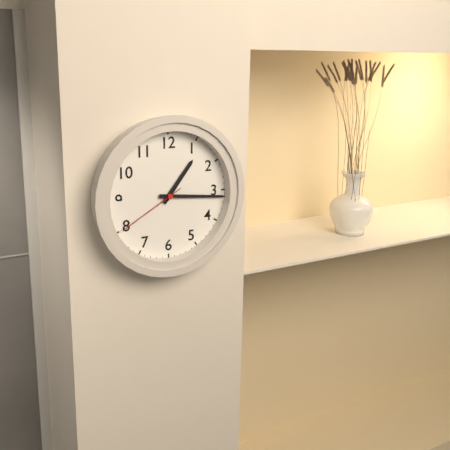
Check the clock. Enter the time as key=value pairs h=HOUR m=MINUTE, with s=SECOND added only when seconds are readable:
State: h=1 m=16 s=40
